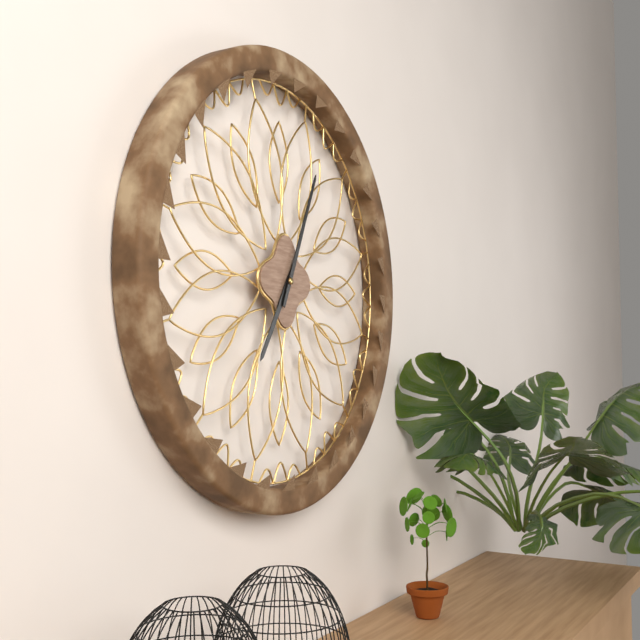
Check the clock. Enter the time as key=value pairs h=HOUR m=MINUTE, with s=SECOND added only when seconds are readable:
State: h=7 m=4
